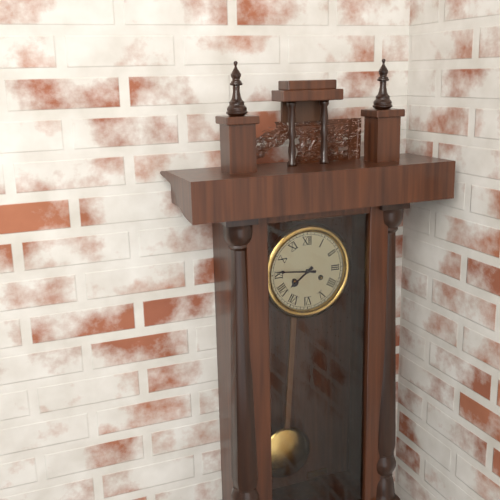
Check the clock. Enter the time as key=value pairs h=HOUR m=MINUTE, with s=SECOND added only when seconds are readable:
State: h=7 m=46
